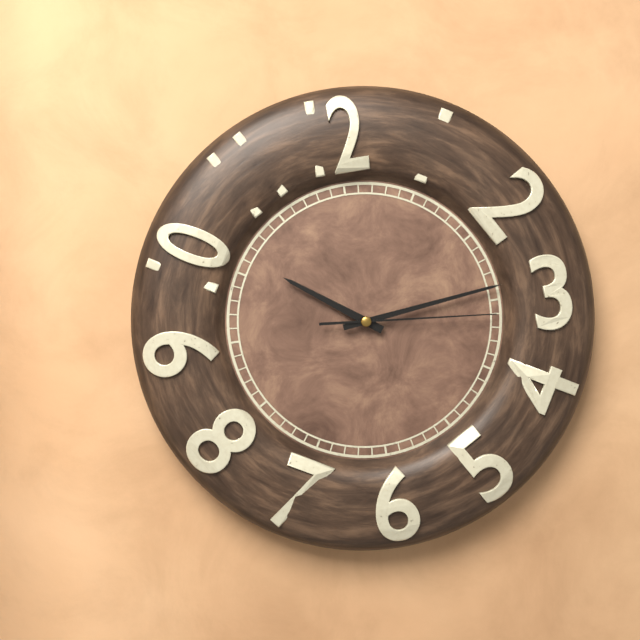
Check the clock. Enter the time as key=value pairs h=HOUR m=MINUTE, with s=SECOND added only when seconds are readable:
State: h=10 m=14 s=16
